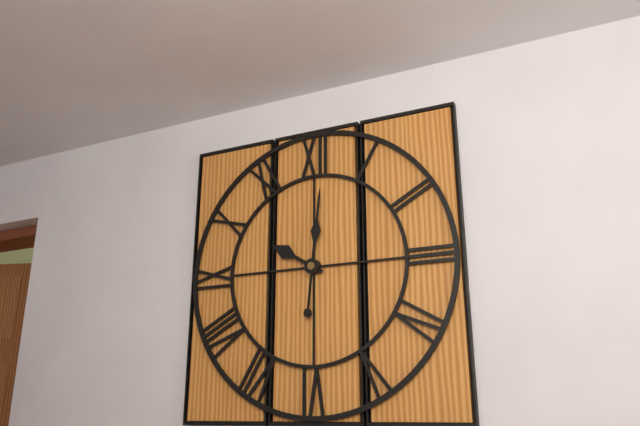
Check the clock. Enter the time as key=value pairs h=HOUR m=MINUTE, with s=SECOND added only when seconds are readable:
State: h=10 m=1
